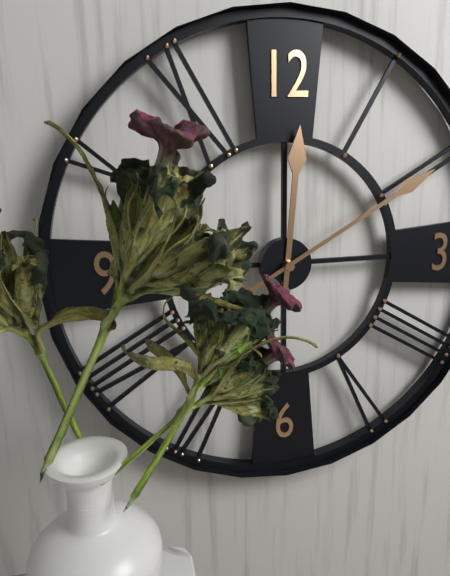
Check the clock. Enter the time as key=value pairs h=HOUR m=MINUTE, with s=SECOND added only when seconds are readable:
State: h=12 m=10
